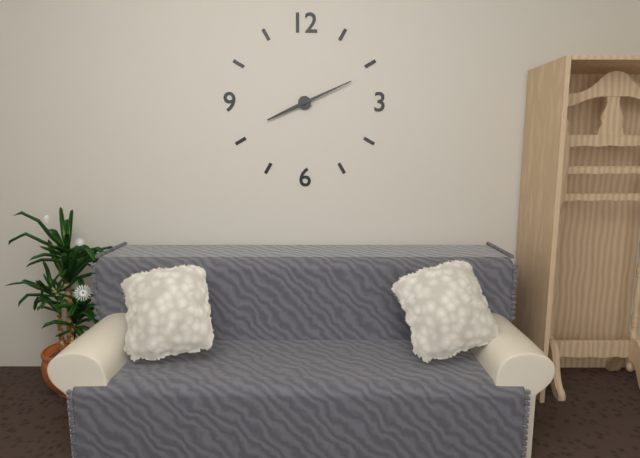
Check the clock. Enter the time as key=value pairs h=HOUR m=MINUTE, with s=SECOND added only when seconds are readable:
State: h=8 m=11
